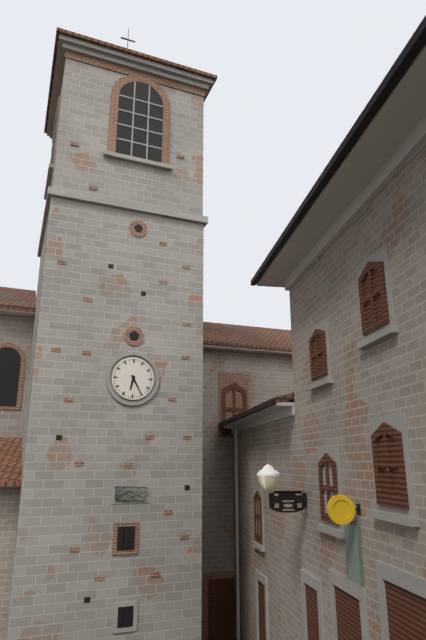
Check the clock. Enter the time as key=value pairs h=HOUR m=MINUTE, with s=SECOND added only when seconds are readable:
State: h=6 m=25
